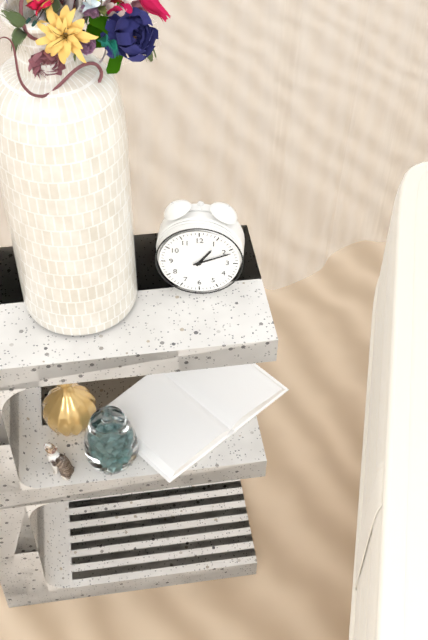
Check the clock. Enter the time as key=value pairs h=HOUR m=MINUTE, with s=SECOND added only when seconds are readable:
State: h=1 m=11
